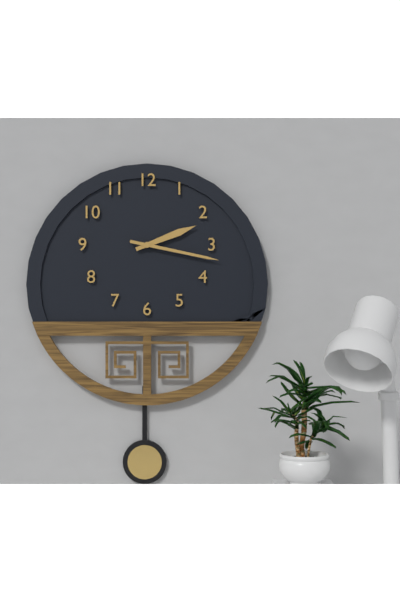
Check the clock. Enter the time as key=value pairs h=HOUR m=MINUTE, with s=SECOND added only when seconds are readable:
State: h=2 m=17
